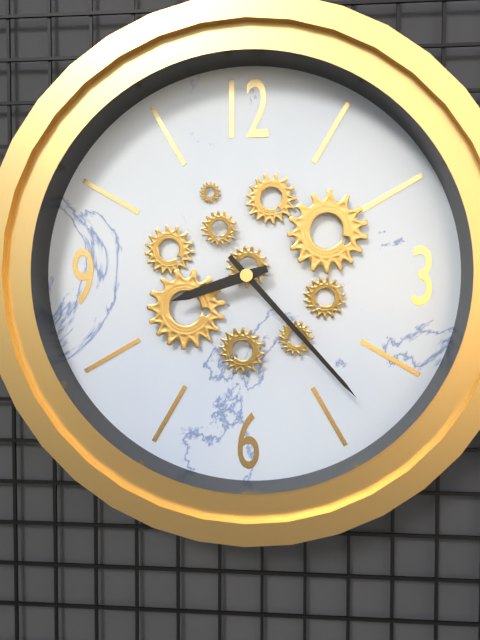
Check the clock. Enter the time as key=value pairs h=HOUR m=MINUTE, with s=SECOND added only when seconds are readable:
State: h=8 m=23
